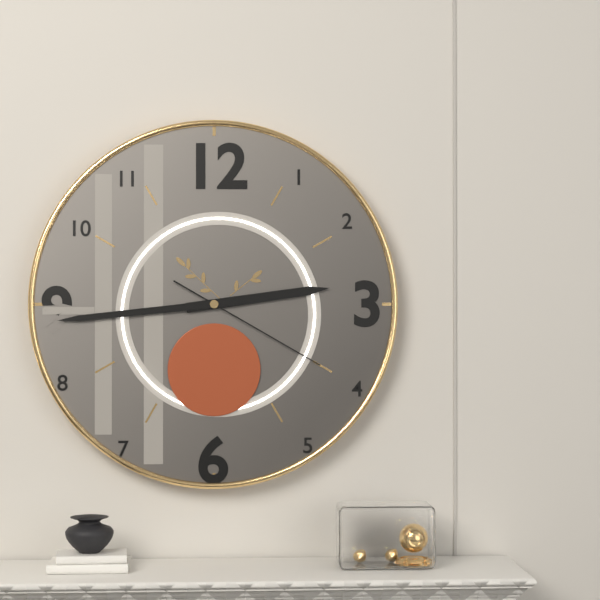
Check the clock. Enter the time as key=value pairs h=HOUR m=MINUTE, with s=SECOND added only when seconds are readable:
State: h=2 m=44 s=20
